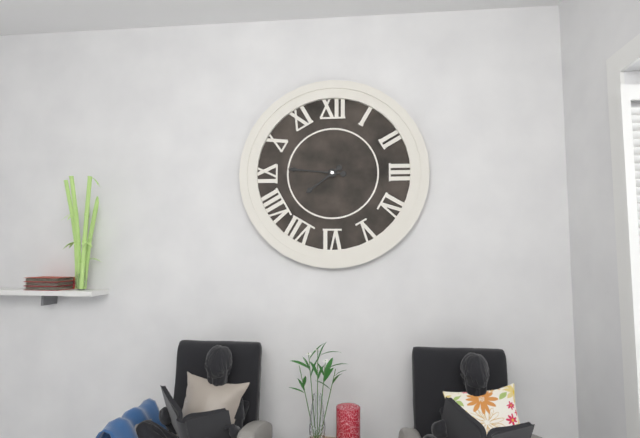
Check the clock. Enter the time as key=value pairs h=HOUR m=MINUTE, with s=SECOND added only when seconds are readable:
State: h=7 m=46
